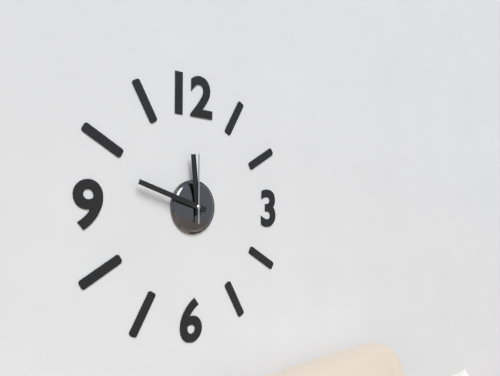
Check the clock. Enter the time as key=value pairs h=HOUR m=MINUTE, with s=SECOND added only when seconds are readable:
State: h=11 m=48 s=0
